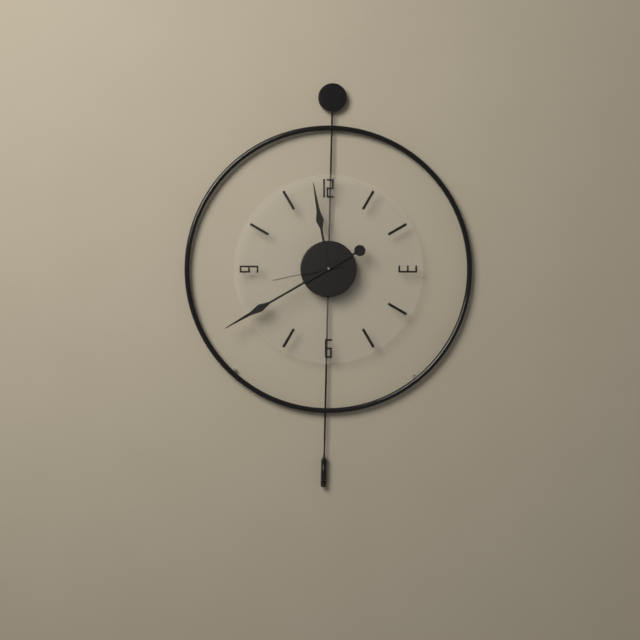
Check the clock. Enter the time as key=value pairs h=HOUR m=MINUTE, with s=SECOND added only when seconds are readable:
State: h=11 m=40 s=43
